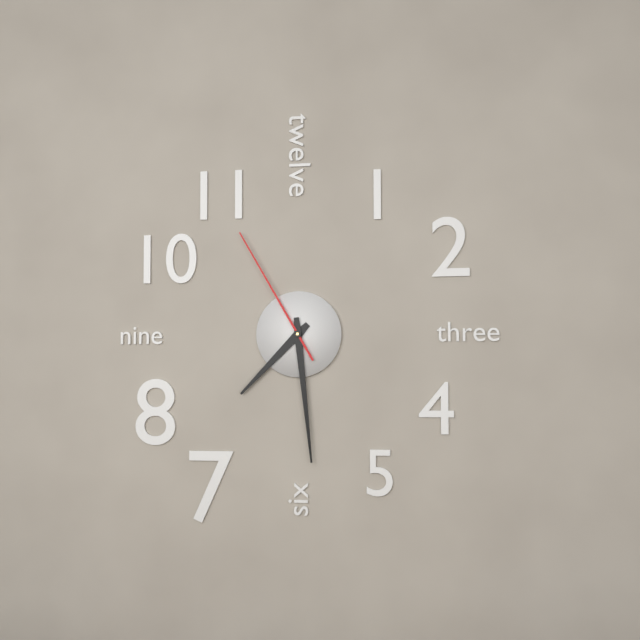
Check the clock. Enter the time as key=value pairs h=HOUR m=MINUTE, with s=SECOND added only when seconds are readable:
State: h=7 m=29 s=55
